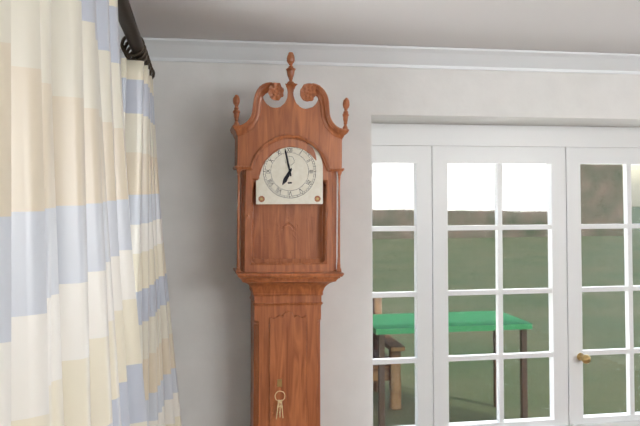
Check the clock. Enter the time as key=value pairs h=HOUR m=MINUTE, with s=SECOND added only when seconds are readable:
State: h=6 m=58
